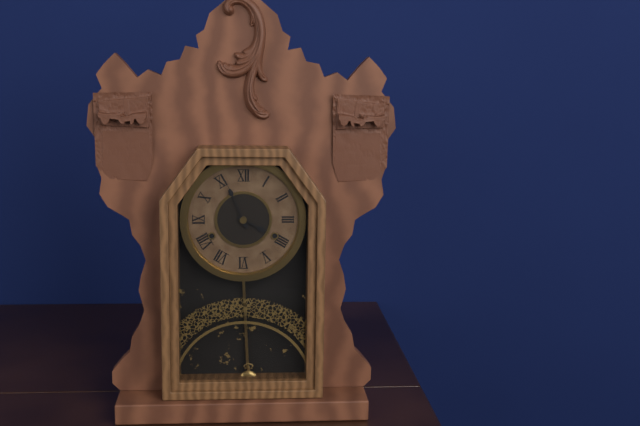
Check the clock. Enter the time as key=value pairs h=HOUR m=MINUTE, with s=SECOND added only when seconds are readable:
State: h=3 m=56
